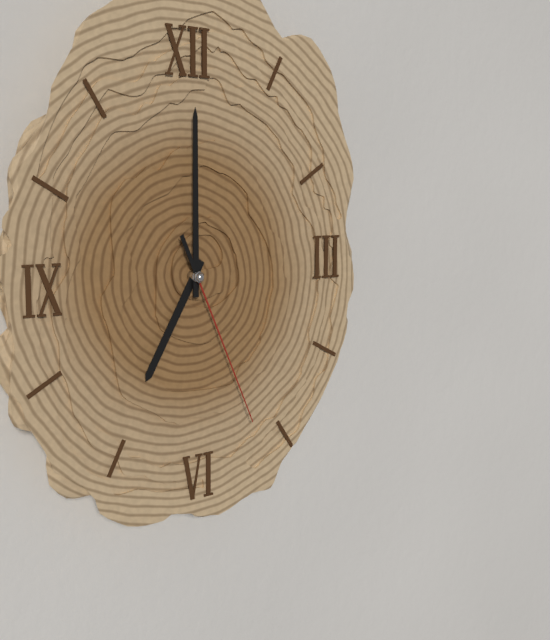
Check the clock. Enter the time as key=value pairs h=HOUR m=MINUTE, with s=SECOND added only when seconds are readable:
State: h=7 m=0 s=26
